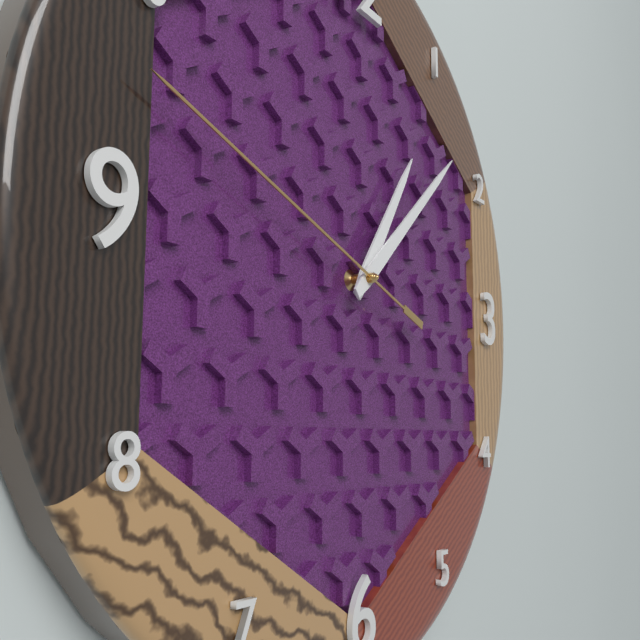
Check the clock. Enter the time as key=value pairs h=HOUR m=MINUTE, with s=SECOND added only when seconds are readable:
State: h=1 m=8 s=48
